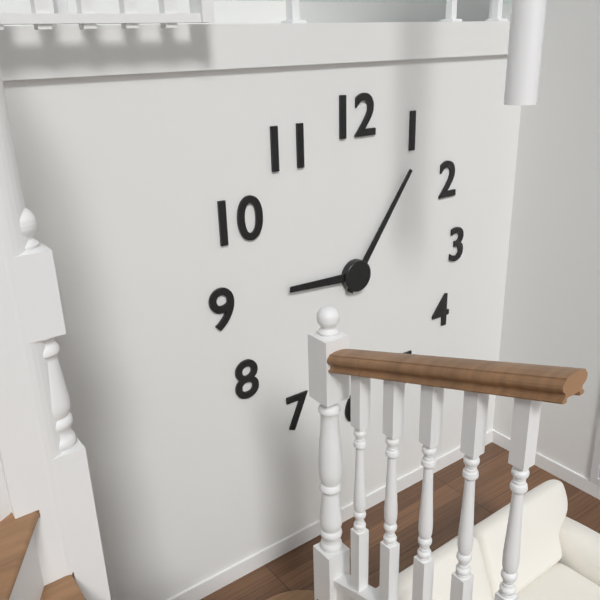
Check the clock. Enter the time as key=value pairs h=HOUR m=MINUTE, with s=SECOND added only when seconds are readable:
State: h=9 m=6
